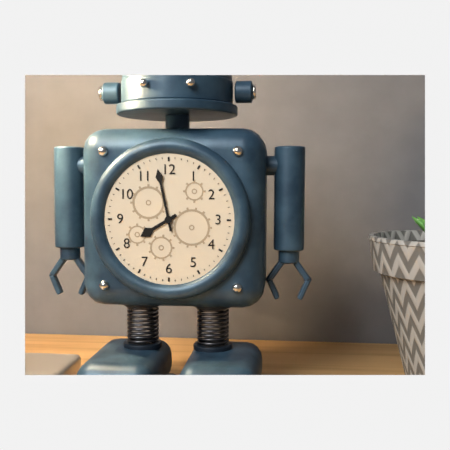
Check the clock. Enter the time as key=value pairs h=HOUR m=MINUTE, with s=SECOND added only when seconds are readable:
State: h=7 m=58
